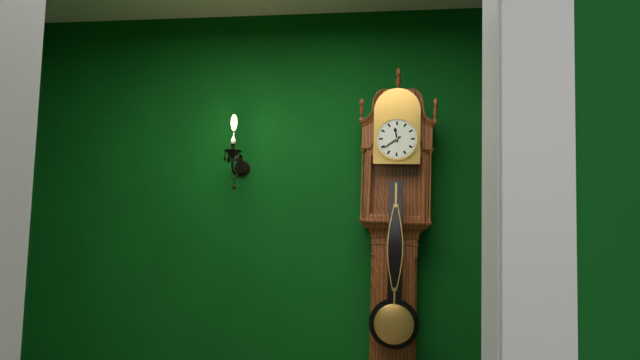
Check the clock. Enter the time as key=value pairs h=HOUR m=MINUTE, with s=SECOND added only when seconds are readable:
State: h=11 m=39
